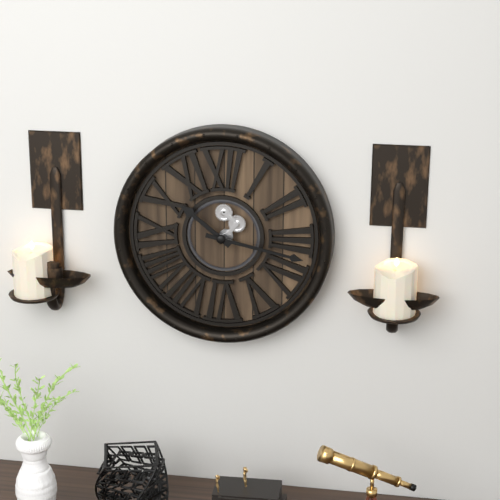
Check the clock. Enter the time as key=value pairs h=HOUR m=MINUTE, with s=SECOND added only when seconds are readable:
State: h=10 m=17
